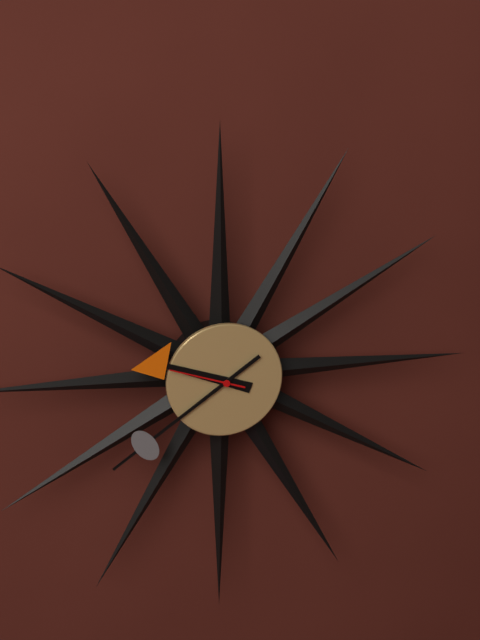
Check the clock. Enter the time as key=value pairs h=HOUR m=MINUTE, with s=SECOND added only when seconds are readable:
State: h=9 m=39 s=48
